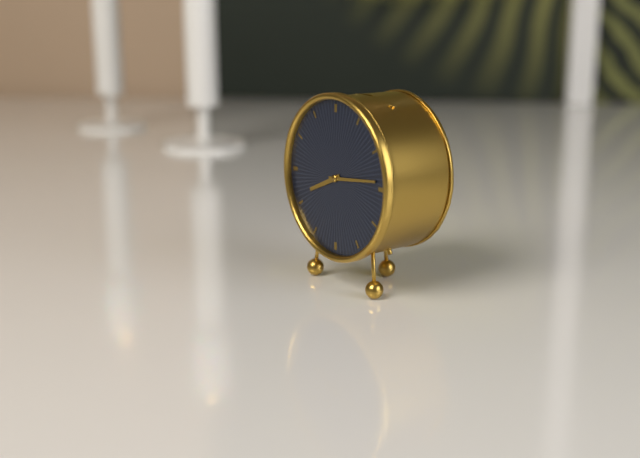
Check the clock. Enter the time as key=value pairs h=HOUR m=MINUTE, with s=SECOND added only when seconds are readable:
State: h=8 m=14
